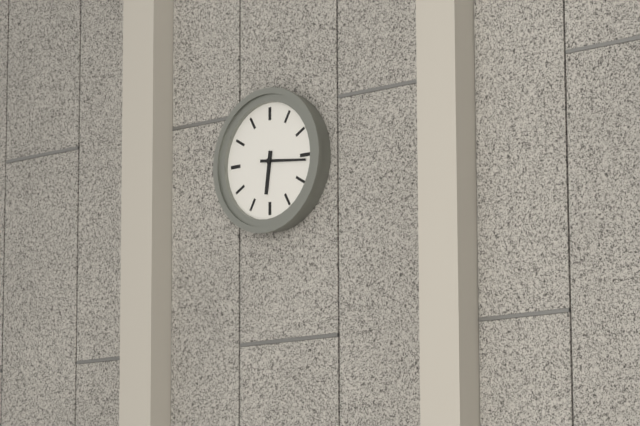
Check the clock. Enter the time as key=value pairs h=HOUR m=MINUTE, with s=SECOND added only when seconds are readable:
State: h=6 m=16
